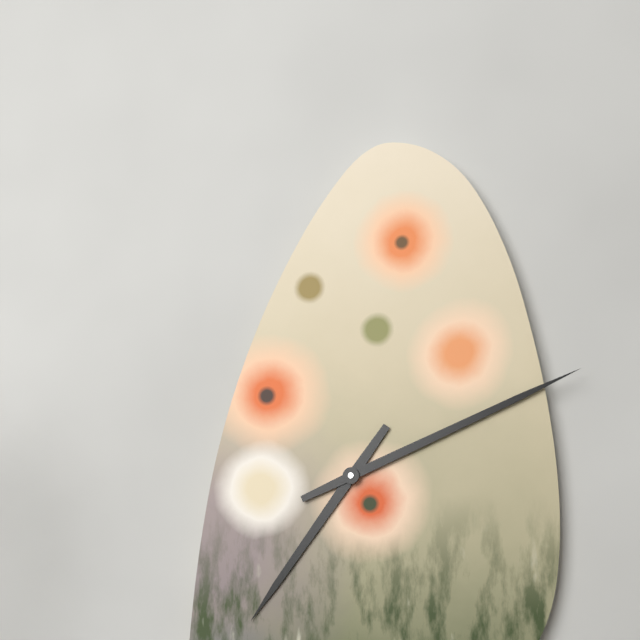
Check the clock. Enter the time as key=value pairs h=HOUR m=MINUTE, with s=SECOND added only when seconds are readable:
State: h=7 m=11
